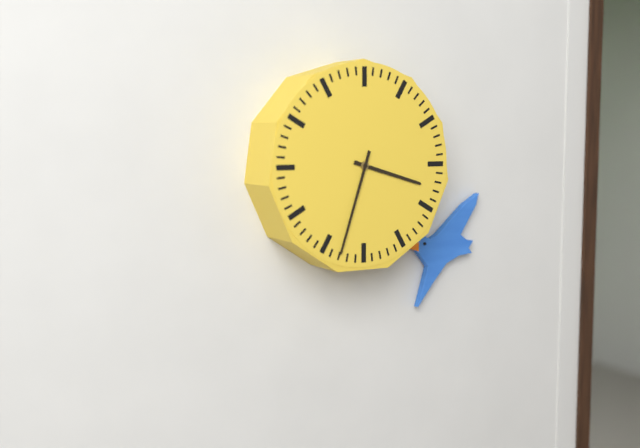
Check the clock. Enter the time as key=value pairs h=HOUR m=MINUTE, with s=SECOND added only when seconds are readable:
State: h=3 m=33
